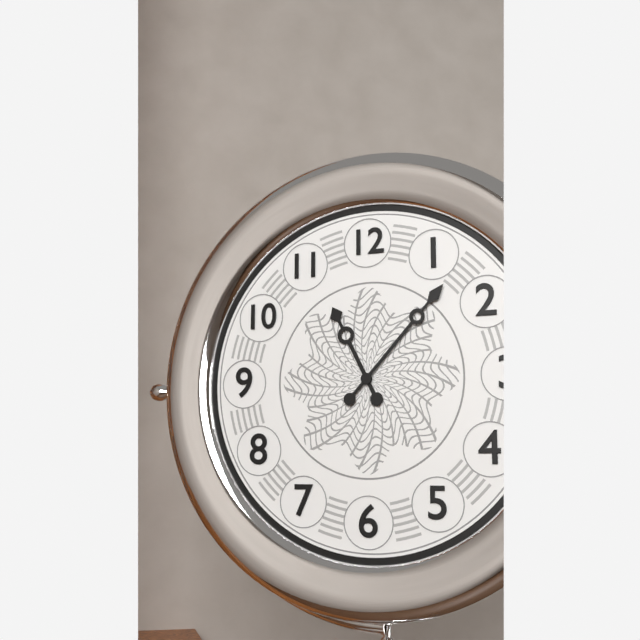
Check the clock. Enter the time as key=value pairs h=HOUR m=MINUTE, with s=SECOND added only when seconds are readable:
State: h=11 m=7
